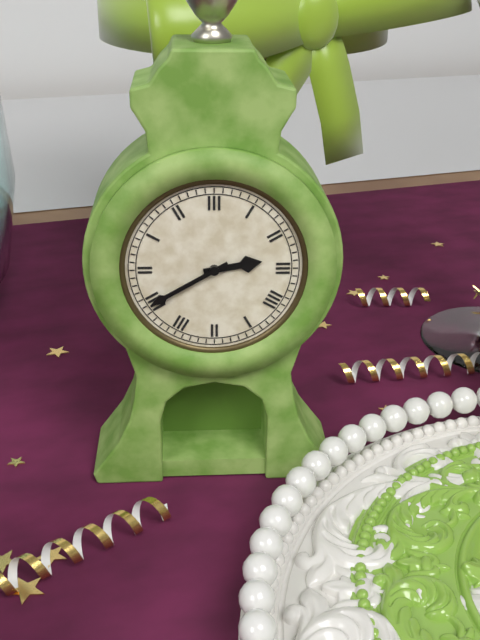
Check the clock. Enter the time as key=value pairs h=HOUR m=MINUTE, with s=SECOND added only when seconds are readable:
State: h=2 m=40
